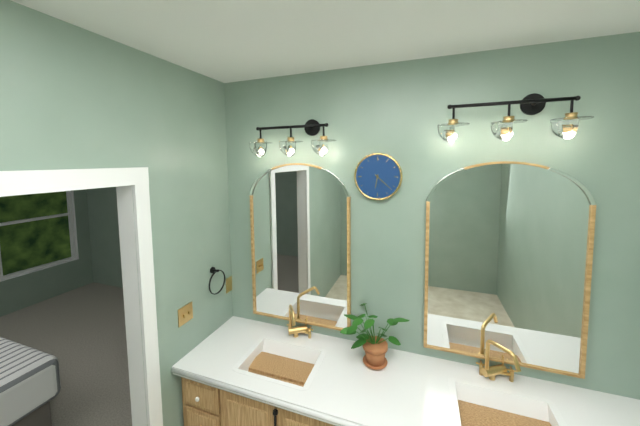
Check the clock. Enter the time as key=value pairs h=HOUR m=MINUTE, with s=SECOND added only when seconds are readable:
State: h=6 m=22
